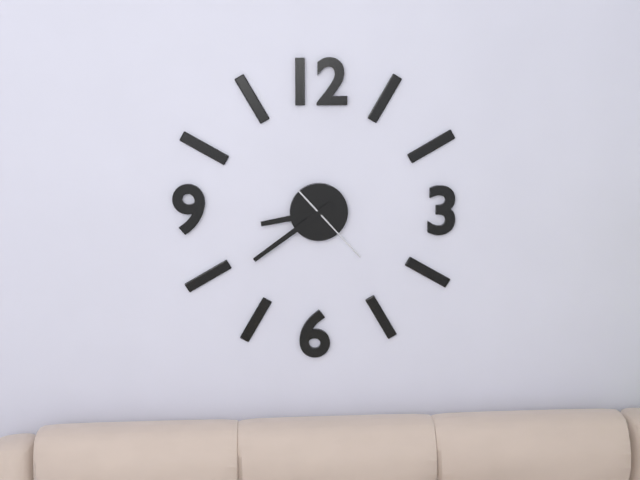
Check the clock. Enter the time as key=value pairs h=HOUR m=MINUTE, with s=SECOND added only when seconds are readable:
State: h=8 m=39 s=23
